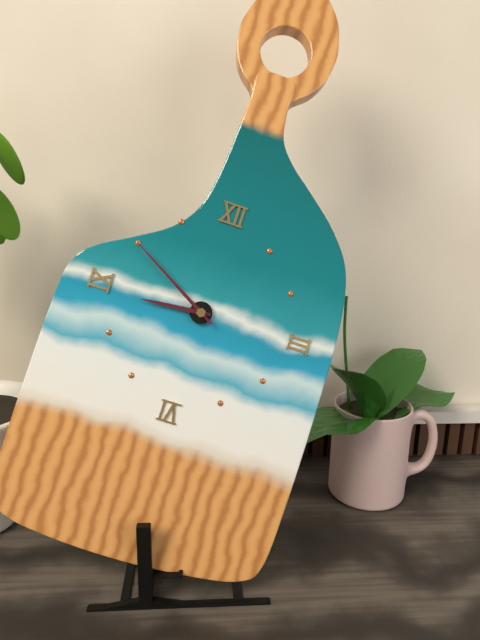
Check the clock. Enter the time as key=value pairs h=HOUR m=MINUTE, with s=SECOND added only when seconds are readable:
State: h=8 m=50
